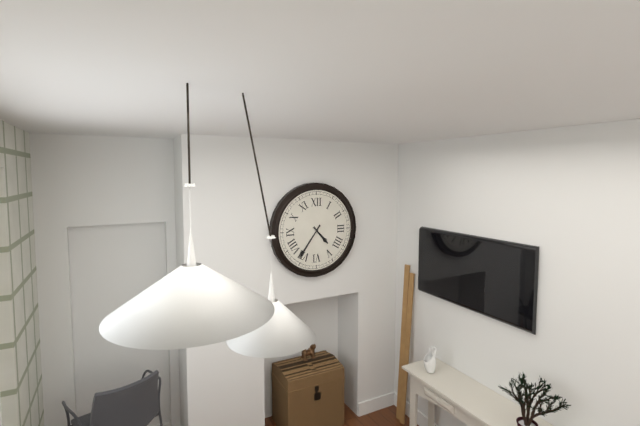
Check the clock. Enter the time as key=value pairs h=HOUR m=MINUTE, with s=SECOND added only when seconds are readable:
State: h=4 m=36
